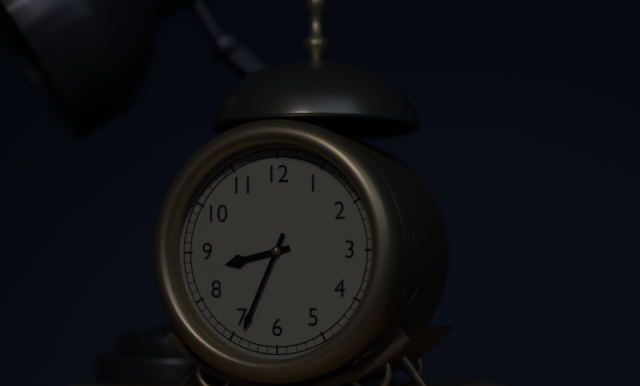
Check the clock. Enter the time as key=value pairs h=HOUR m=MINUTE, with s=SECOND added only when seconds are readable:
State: h=8 m=34
